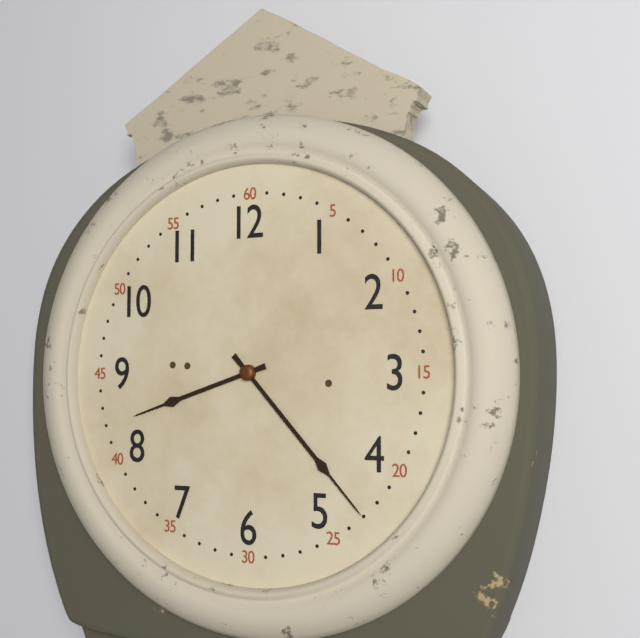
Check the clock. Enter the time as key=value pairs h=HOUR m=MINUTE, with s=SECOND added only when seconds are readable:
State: h=8 m=23
